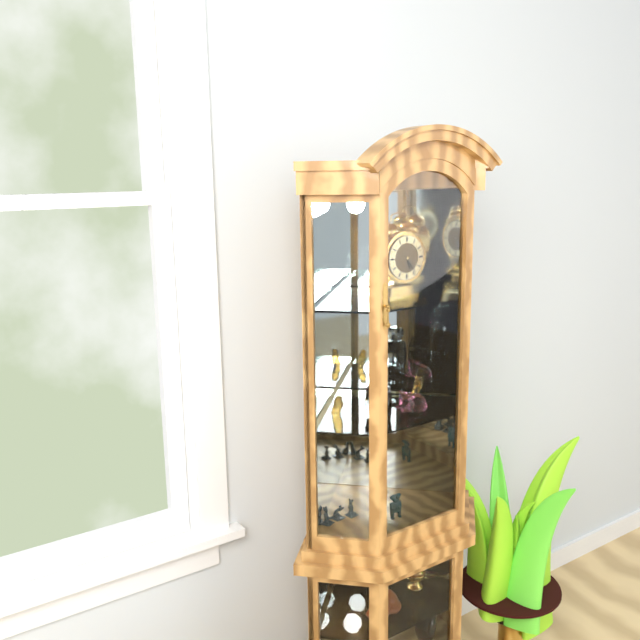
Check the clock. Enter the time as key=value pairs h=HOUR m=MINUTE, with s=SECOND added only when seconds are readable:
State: h=5 m=24
